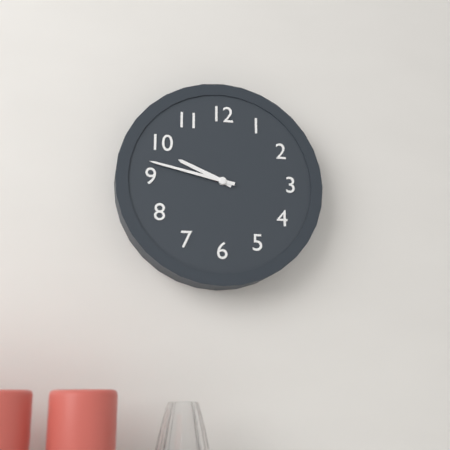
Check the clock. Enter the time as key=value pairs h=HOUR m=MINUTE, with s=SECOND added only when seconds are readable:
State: h=9 m=47
